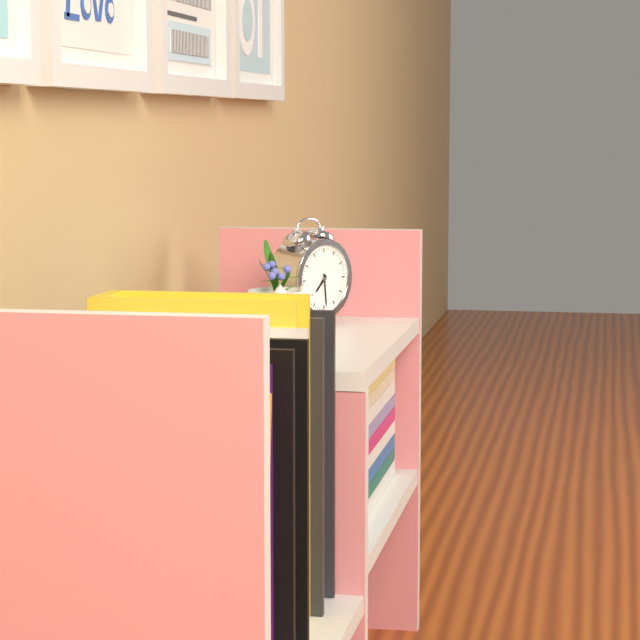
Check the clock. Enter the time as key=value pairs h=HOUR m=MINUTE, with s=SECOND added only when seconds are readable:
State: h=7 m=29
